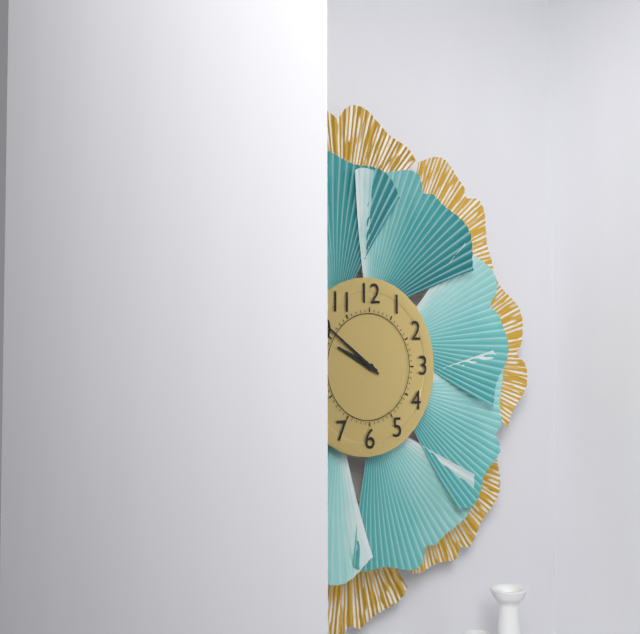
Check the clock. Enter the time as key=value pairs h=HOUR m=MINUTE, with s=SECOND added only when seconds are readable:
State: h=9 m=51
